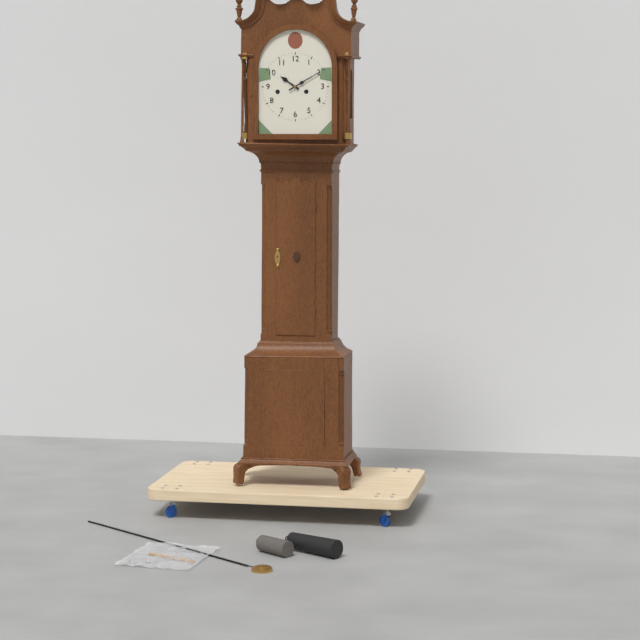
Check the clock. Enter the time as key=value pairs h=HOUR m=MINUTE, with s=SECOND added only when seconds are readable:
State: h=10 m=10
